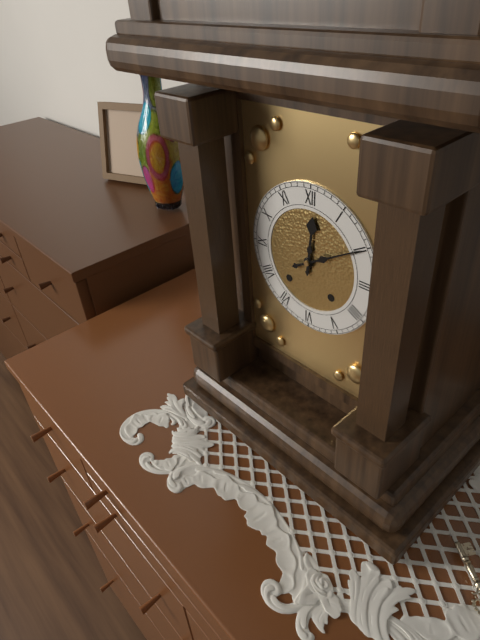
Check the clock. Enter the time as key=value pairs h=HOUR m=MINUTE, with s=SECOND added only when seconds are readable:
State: h=12 m=10
